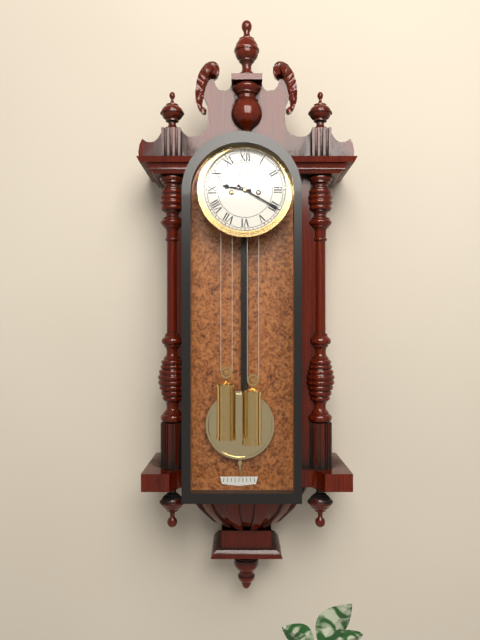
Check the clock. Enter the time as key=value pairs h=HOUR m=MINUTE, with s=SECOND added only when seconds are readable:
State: h=9 m=20
